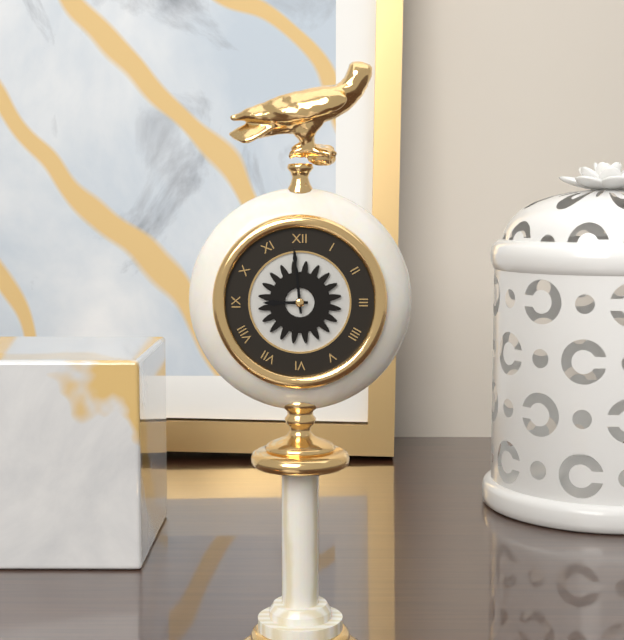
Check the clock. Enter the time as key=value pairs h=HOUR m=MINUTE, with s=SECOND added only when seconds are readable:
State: h=8 m=59
